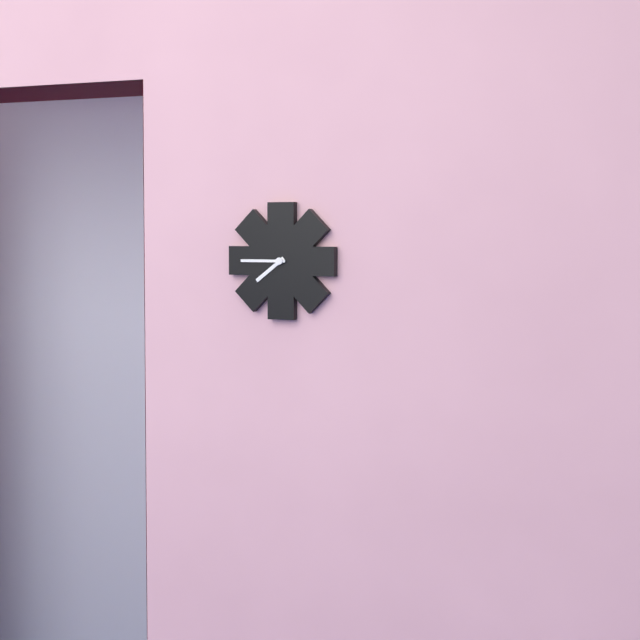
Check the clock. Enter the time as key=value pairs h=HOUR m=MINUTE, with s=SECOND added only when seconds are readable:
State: h=7 m=45
